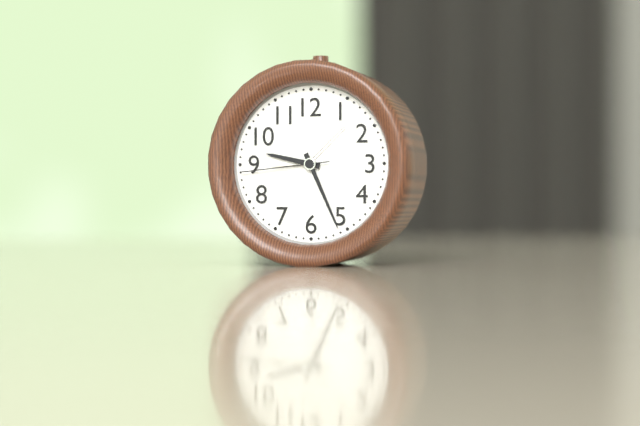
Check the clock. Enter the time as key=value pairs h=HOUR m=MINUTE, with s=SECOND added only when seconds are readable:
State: h=9 m=26 s=44
